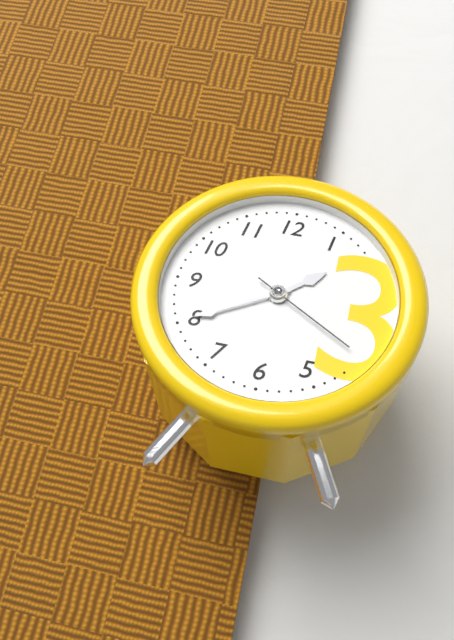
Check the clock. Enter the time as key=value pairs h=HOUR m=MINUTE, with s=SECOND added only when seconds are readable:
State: h=1 m=40 s=20
